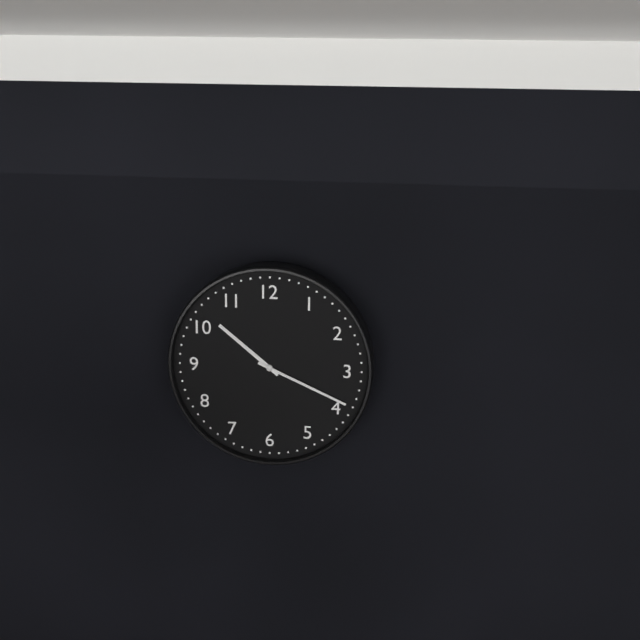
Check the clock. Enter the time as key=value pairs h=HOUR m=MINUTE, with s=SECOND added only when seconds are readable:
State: h=10 m=19
